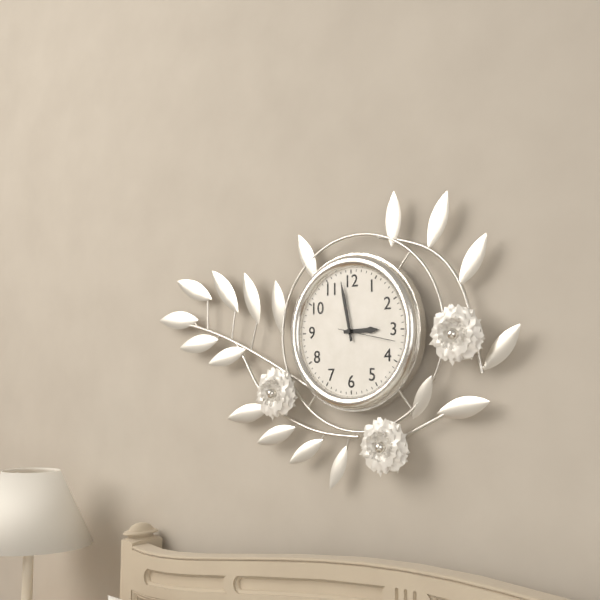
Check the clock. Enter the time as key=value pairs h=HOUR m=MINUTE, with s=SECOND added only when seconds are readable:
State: h=2 m=58 s=17
